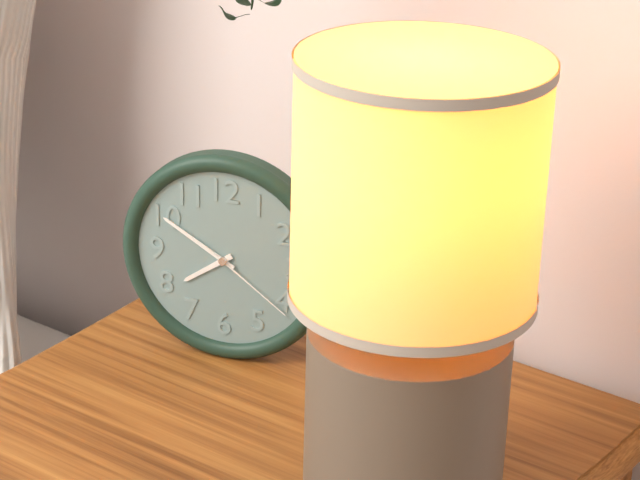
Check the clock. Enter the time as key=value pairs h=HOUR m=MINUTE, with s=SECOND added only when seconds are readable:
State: h=7 m=50 s=21
